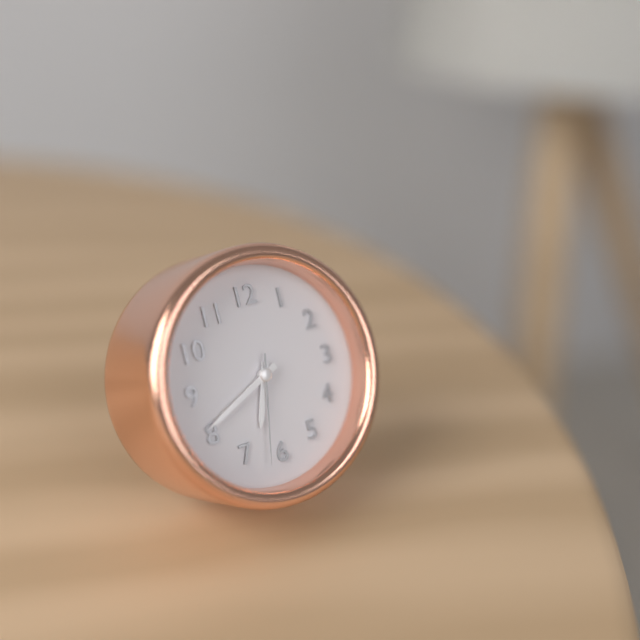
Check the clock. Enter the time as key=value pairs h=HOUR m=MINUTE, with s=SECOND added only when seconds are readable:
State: h=6 m=41 s=32
